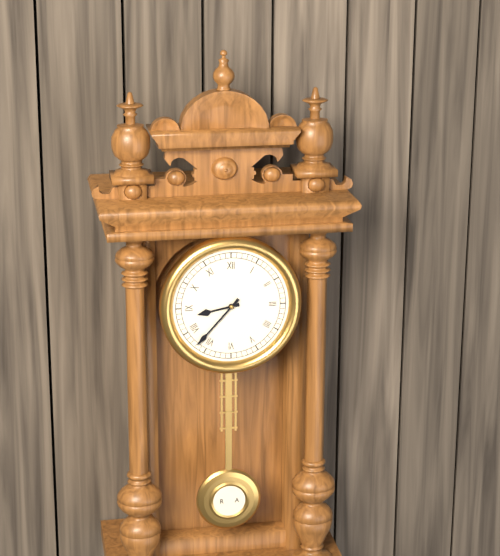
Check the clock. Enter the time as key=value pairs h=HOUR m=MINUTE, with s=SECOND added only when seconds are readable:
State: h=8 m=37
